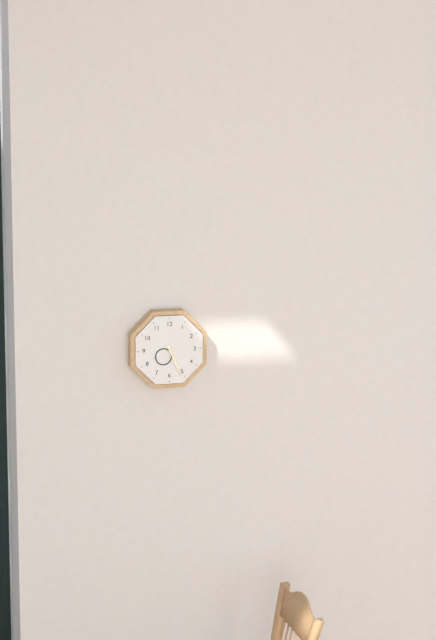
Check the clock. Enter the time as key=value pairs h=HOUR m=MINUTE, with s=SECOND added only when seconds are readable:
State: h=7 m=26
